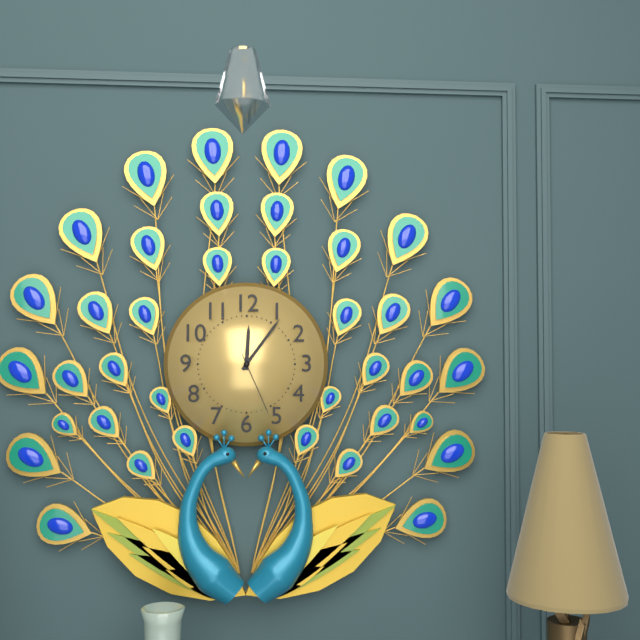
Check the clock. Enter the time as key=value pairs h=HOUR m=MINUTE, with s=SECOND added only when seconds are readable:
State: h=12 m=6 s=26
